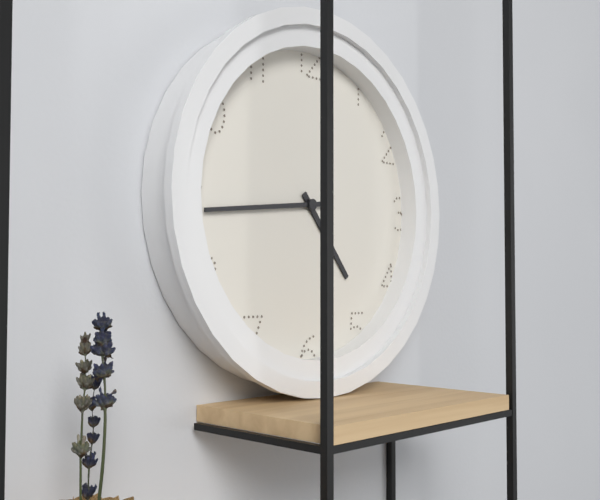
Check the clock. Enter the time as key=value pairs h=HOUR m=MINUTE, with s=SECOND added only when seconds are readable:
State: h=4 m=44
